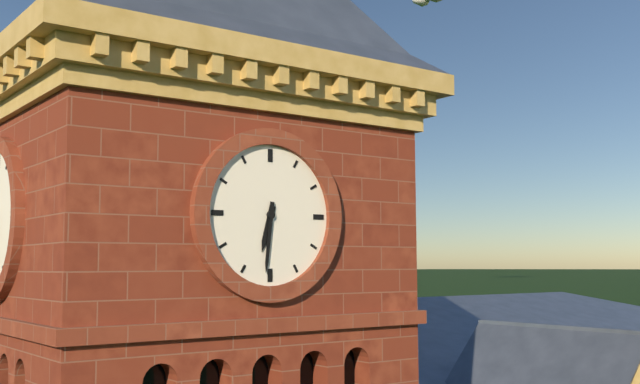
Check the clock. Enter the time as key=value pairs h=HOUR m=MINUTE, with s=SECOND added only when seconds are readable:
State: h=6 m=31
